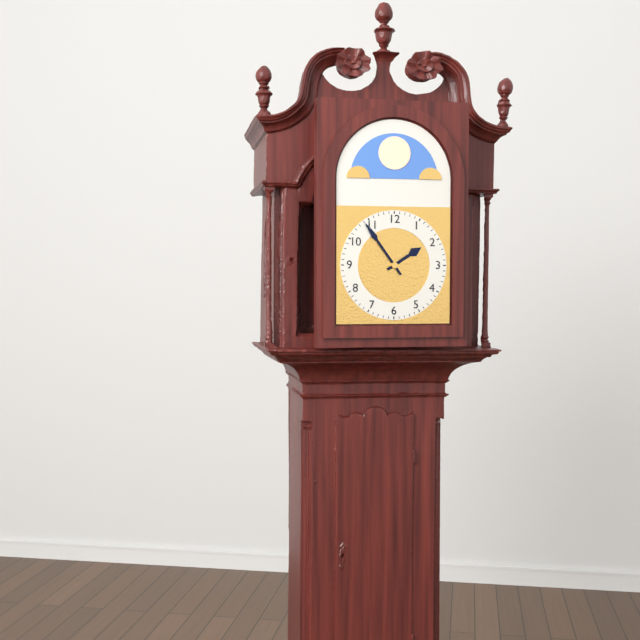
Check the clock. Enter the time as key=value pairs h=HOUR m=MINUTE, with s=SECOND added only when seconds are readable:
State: h=1 m=54
